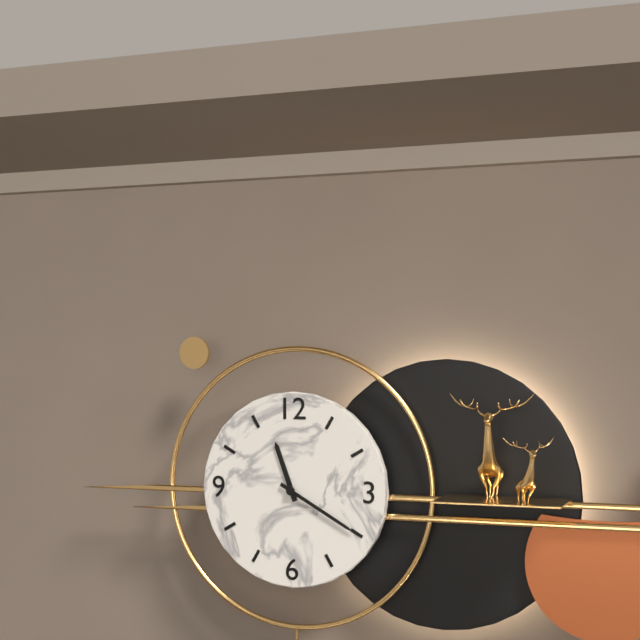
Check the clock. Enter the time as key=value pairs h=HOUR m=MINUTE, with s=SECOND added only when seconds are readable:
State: h=11 m=20
